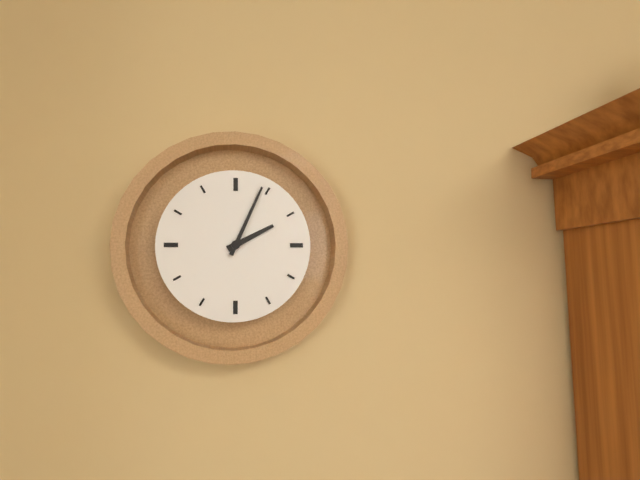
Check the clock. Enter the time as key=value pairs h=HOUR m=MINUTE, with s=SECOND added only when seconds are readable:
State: h=2 m=4
